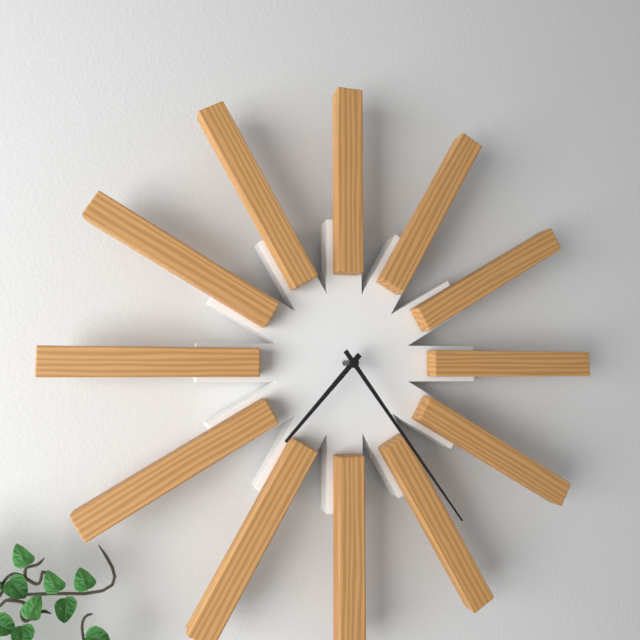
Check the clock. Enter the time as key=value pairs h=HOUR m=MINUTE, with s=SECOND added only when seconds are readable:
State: h=7 m=24
